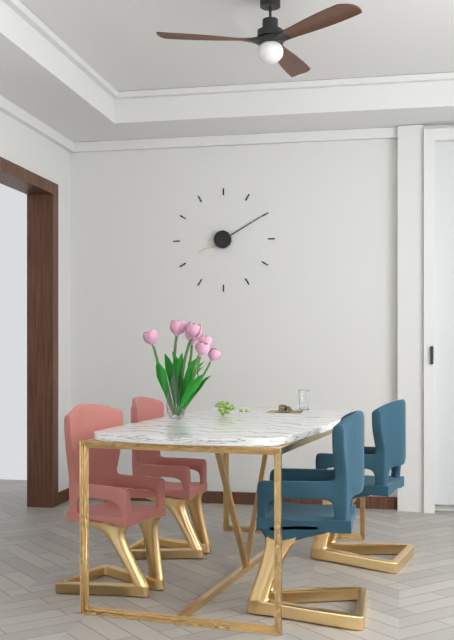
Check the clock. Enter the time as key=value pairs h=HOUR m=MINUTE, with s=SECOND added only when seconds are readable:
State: h=8 m=10
